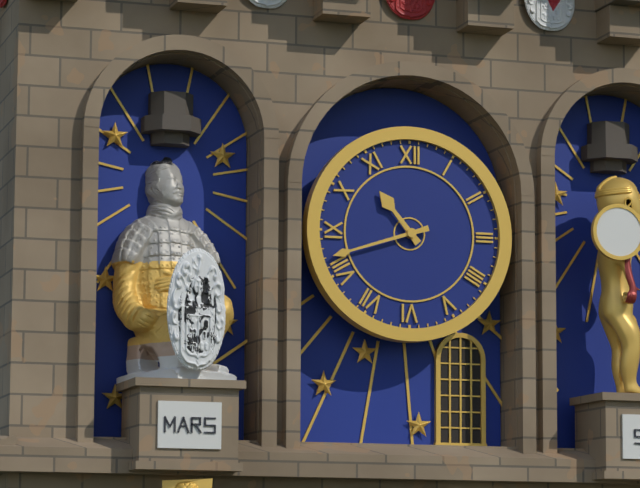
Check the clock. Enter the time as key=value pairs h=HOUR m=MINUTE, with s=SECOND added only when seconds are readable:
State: h=10 m=42
